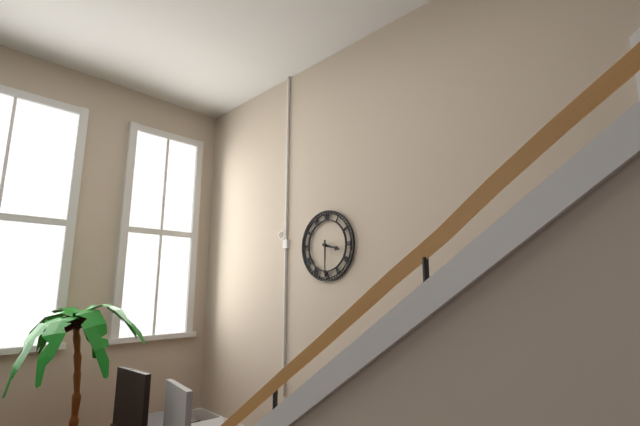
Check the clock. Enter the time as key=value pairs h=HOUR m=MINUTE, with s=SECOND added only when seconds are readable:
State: h=3 m=30
